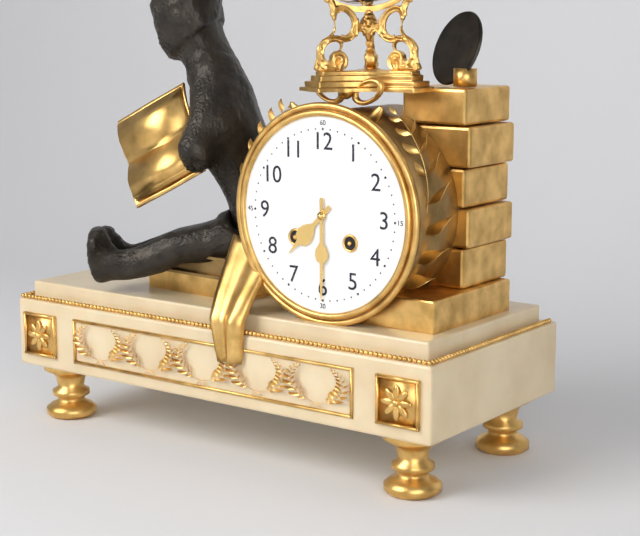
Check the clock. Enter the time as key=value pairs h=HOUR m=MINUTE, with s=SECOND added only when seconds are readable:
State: h=7 m=30
